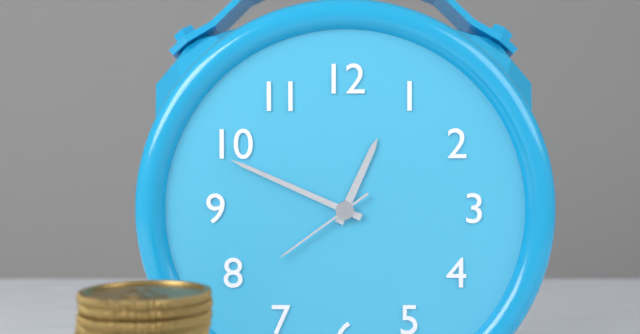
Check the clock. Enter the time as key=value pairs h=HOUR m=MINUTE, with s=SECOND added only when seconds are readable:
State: h=12 m=49 s=39
